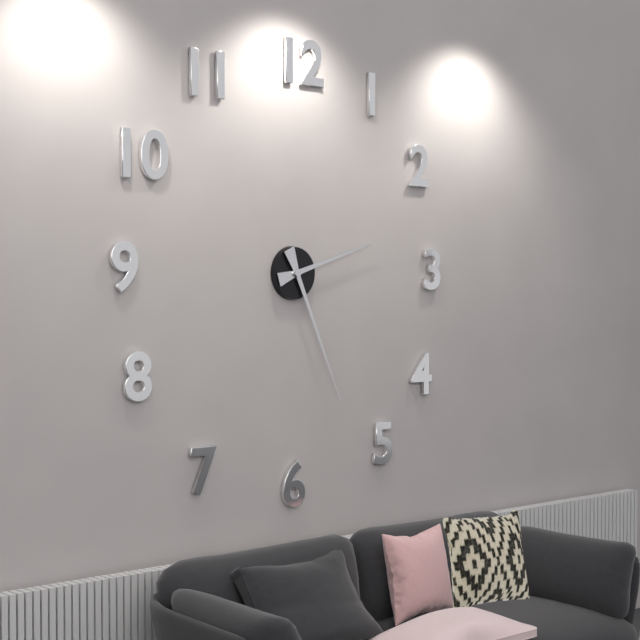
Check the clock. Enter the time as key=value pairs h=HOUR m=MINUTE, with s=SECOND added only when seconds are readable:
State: h=2 m=26
